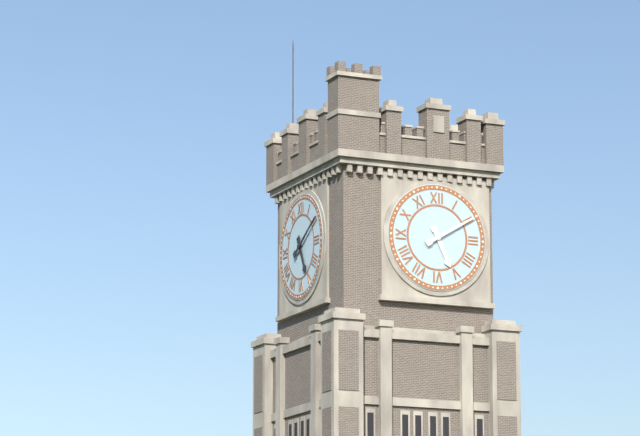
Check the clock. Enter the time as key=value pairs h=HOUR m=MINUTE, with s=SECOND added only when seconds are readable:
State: h=5 m=10
